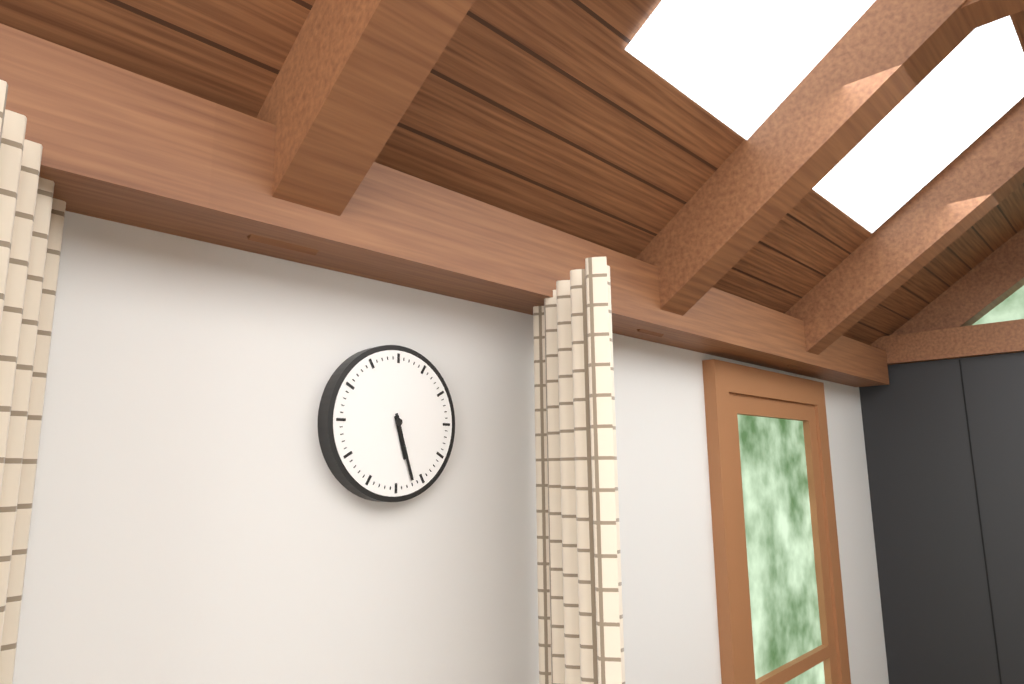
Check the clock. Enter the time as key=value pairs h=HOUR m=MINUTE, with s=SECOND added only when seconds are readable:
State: h=5 m=27
